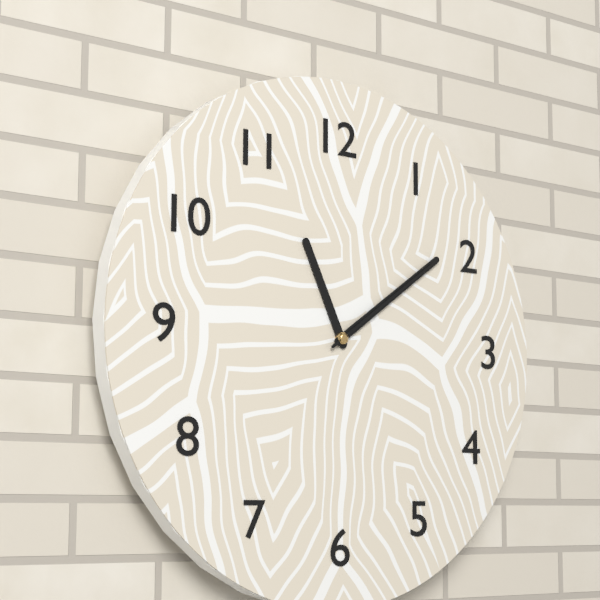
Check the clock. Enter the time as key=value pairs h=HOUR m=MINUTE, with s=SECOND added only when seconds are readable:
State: h=11 m=9 s=9
